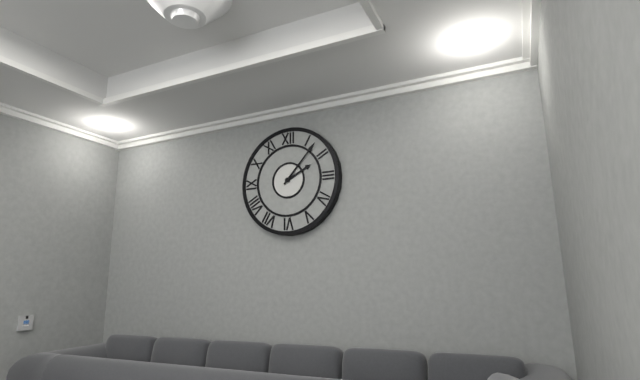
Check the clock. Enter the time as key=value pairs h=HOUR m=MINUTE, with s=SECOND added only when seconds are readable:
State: h=2 m=7
